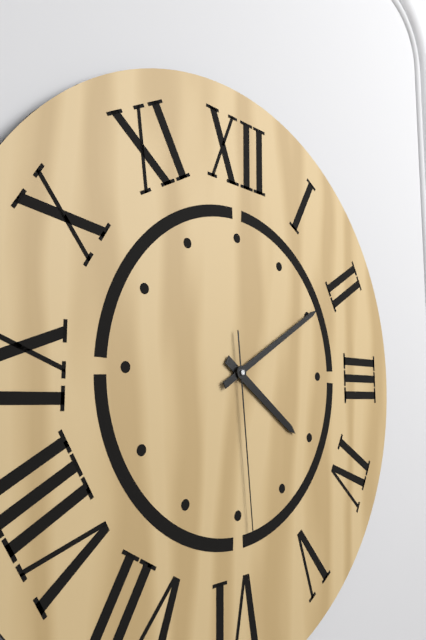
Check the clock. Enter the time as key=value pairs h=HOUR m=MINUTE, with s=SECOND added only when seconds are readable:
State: h=4 m=10 s=29
